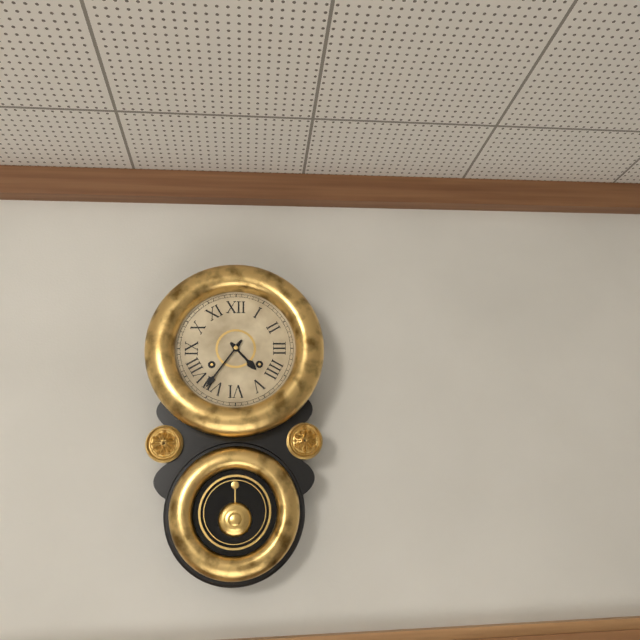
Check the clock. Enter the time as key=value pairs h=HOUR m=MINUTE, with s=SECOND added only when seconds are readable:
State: h=4 m=36
